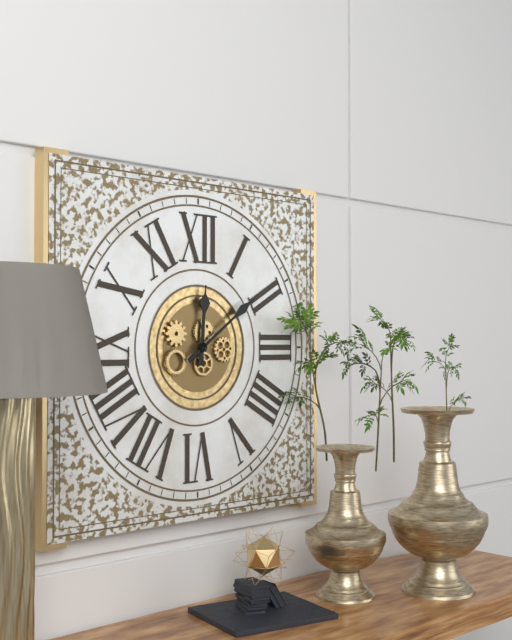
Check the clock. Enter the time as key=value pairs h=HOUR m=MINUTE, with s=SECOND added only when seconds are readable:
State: h=12 m=9
